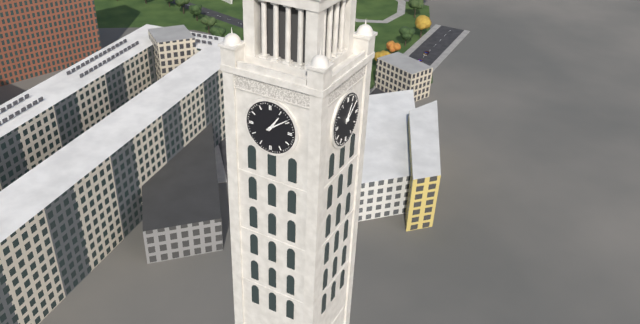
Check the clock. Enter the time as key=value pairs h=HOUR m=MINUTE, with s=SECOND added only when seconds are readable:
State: h=1 m=9
